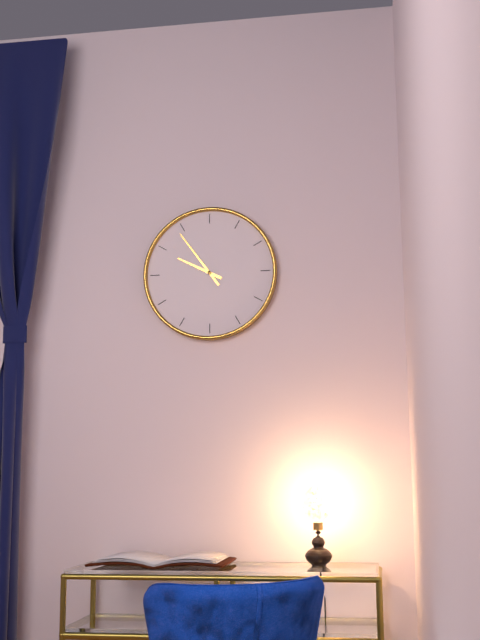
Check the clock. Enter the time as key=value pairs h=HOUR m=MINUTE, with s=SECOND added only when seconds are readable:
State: h=9 m=54
